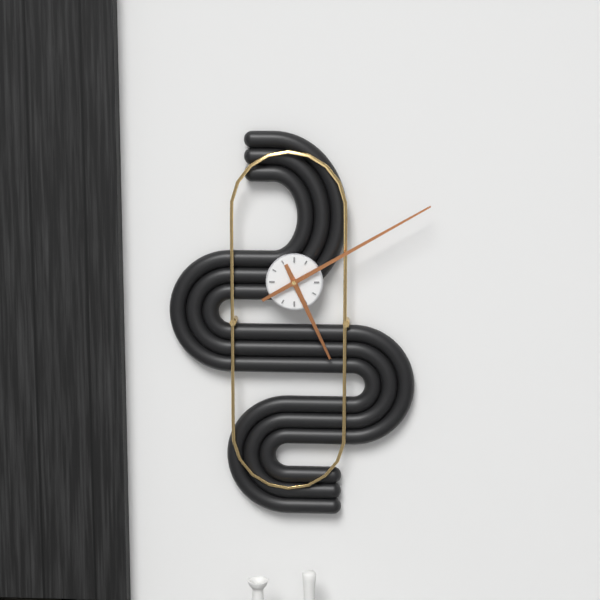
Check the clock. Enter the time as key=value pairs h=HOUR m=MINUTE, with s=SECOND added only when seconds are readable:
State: h=5 m=10
